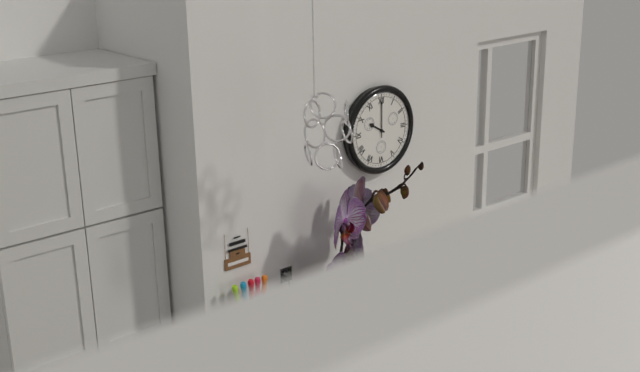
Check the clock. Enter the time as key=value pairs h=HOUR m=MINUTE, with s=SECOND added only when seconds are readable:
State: h=10 m=0
